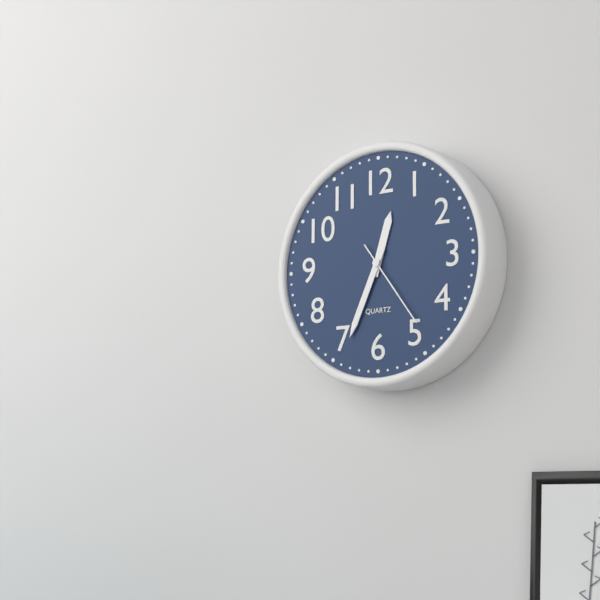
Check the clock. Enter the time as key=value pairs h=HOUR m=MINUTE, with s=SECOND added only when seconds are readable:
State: h=12 m=34 s=24
